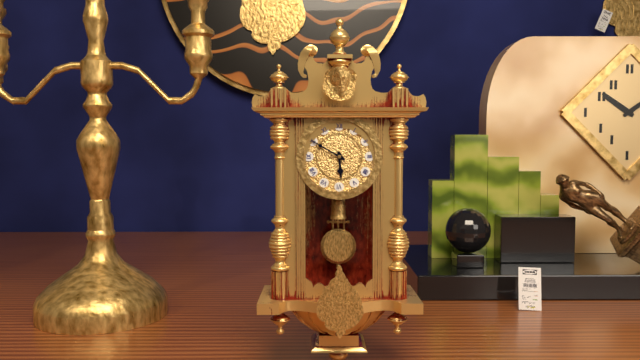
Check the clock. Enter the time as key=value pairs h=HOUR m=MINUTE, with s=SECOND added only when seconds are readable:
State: h=5 m=50
